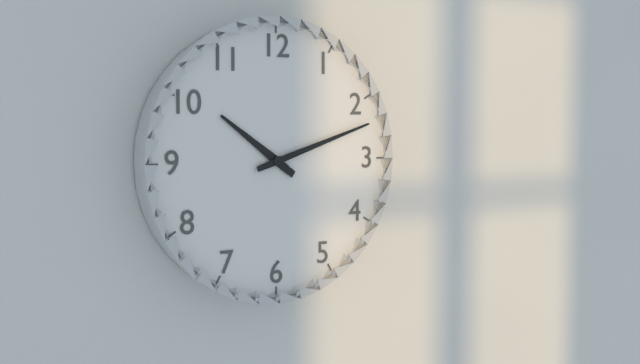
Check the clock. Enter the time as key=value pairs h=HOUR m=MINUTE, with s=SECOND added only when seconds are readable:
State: h=10 m=12
